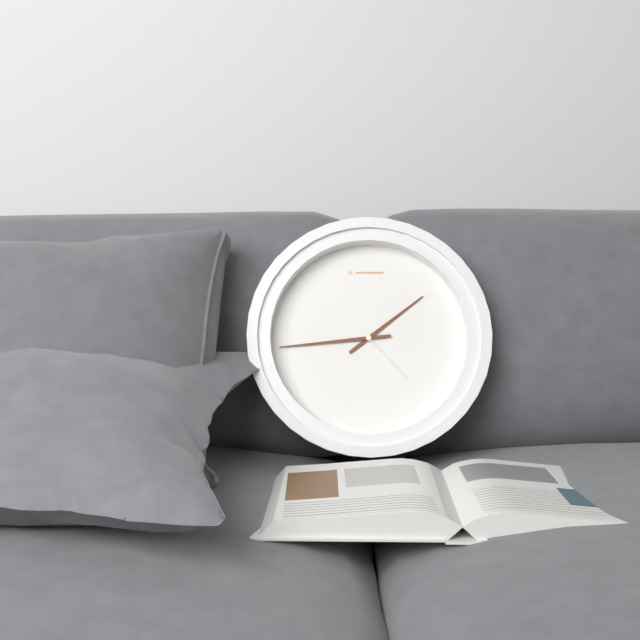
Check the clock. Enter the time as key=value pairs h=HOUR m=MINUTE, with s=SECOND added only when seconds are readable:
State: h=1 m=44 s=23
